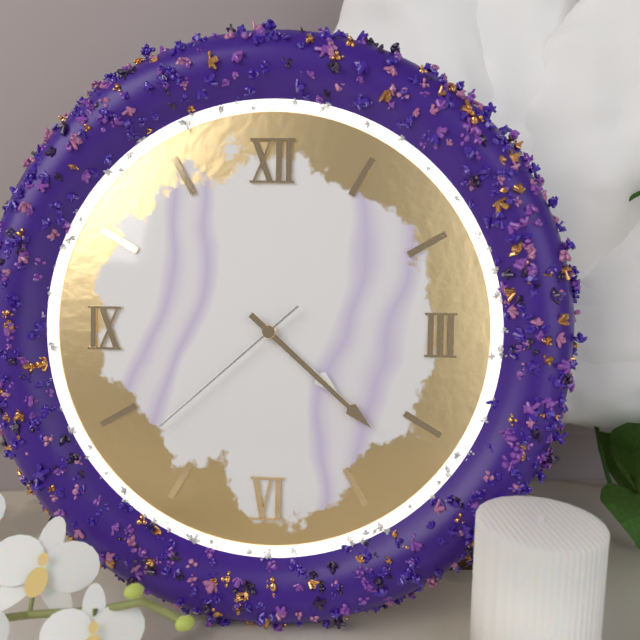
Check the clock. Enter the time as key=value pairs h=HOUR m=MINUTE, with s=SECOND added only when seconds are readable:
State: h=4 m=22 s=38
